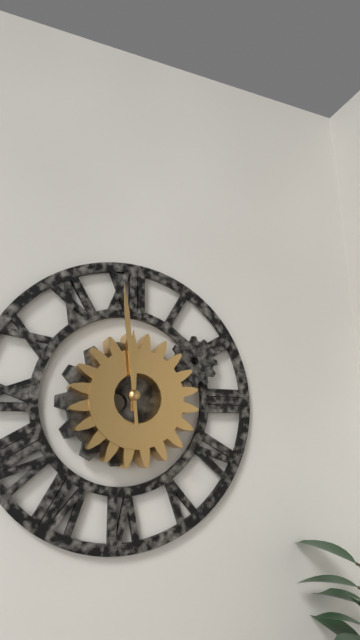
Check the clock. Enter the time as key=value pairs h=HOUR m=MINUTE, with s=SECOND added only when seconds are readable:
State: h=11 m=59
